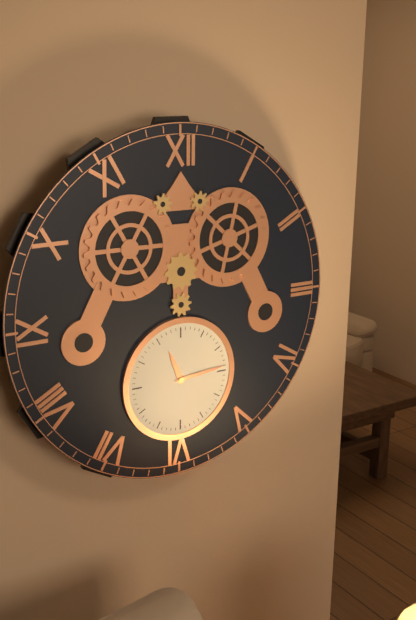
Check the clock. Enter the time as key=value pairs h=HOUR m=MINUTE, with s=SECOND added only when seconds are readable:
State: h=11 m=14
